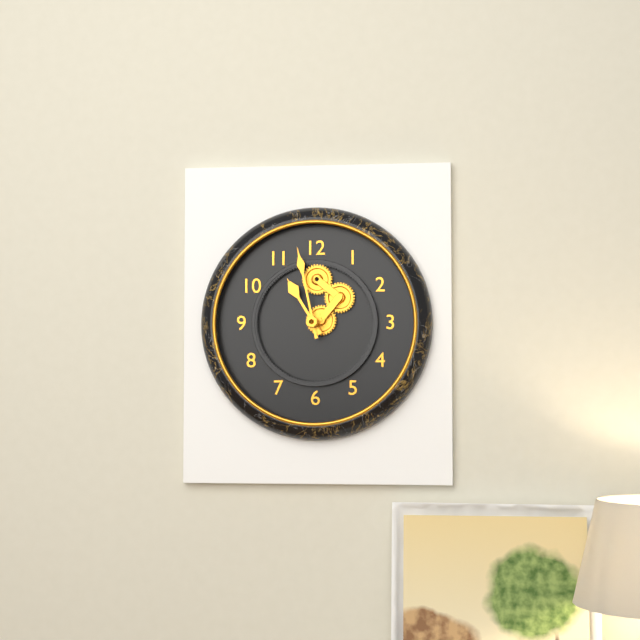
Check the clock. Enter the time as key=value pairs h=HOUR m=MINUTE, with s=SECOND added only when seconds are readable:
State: h=10 m=58
